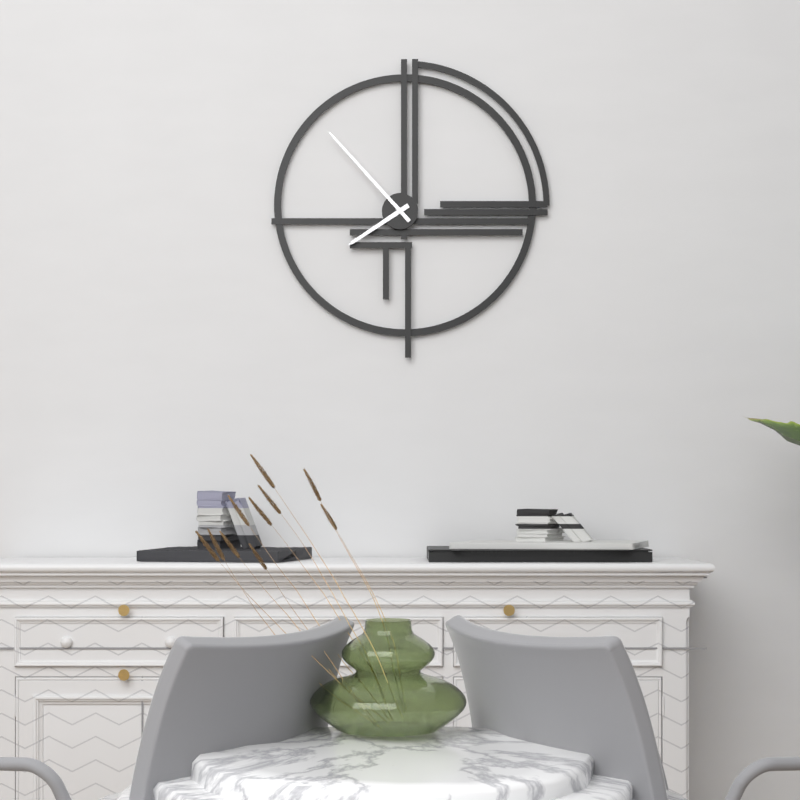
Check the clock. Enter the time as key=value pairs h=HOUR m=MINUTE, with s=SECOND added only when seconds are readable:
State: h=7 m=53
